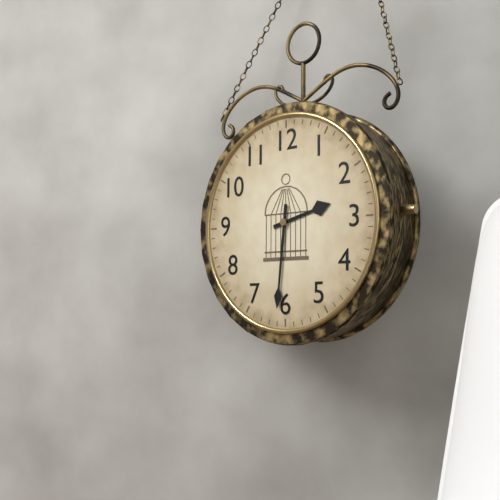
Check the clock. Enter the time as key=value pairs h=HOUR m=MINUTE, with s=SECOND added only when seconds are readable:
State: h=2 m=31
